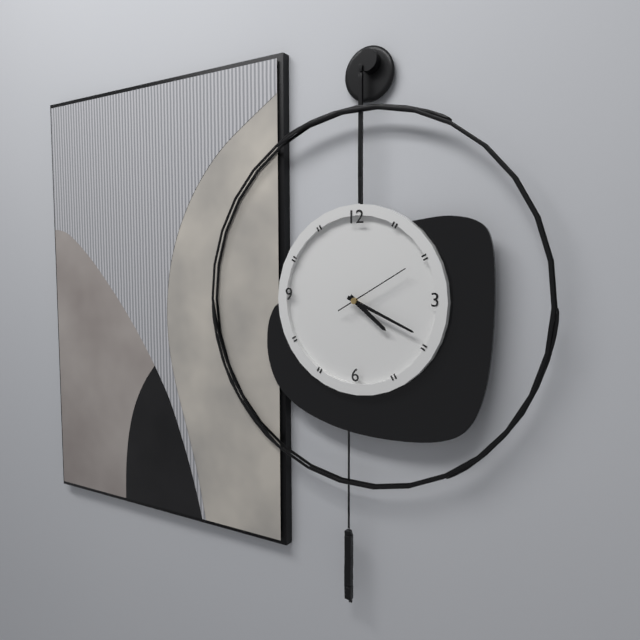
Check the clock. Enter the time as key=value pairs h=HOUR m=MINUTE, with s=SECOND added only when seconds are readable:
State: h=4 m=19 s=10
